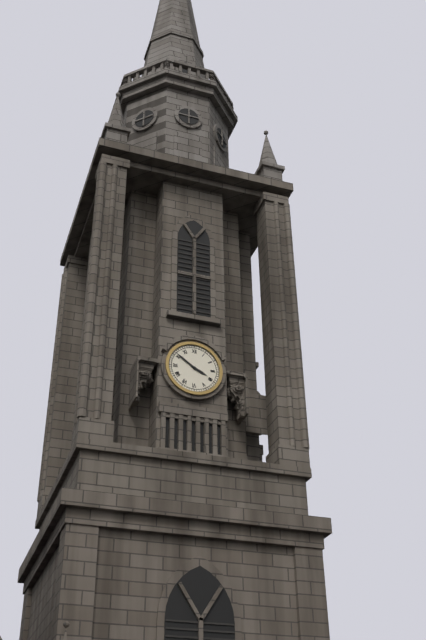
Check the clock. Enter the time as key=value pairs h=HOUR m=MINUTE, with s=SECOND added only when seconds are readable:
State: h=3 m=51
